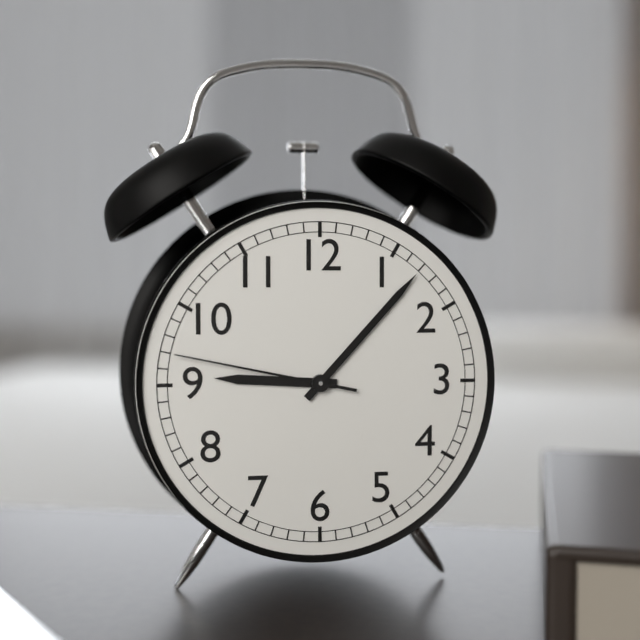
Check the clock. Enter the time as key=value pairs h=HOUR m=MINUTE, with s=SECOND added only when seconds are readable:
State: h=9 m=7 s=47
